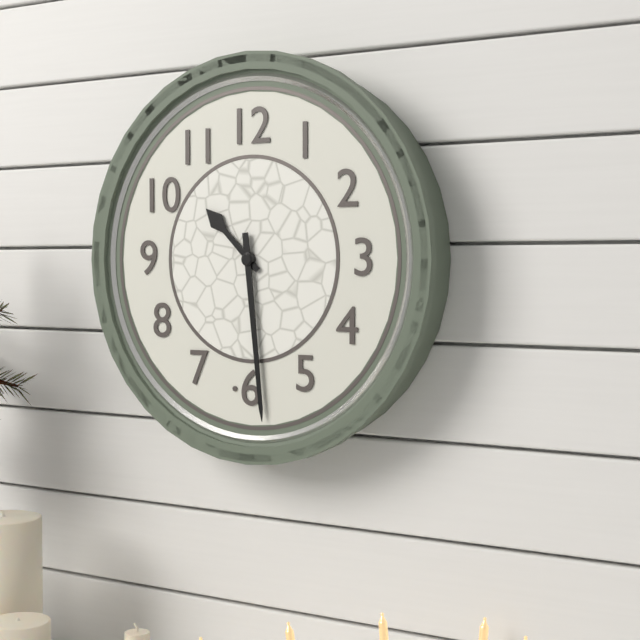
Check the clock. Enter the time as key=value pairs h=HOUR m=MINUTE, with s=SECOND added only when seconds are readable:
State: h=10 m=29
